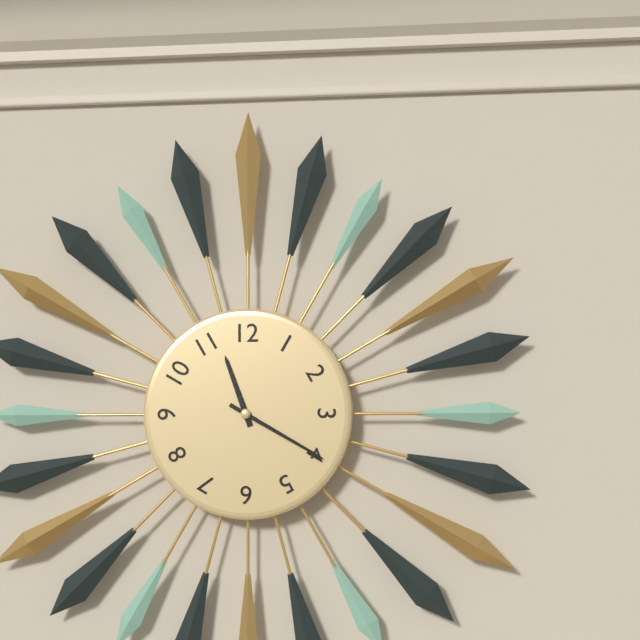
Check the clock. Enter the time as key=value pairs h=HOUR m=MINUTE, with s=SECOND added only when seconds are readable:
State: h=11 m=20
